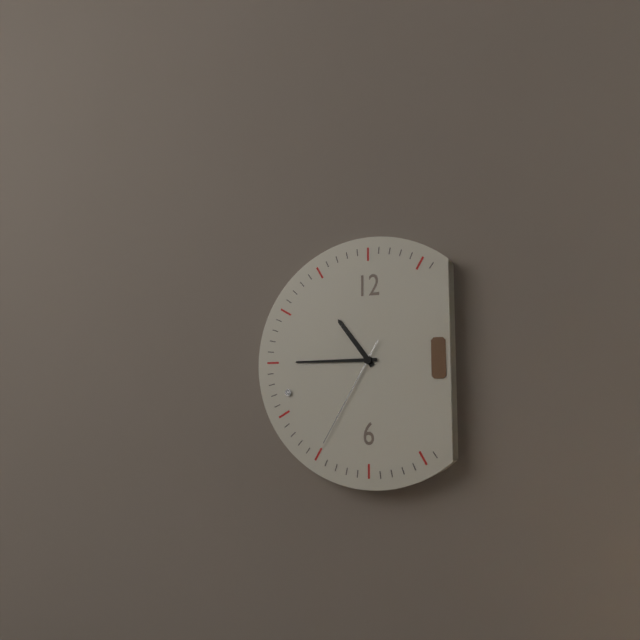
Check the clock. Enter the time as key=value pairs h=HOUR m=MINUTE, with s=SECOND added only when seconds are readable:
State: h=10 m=45 s=35
